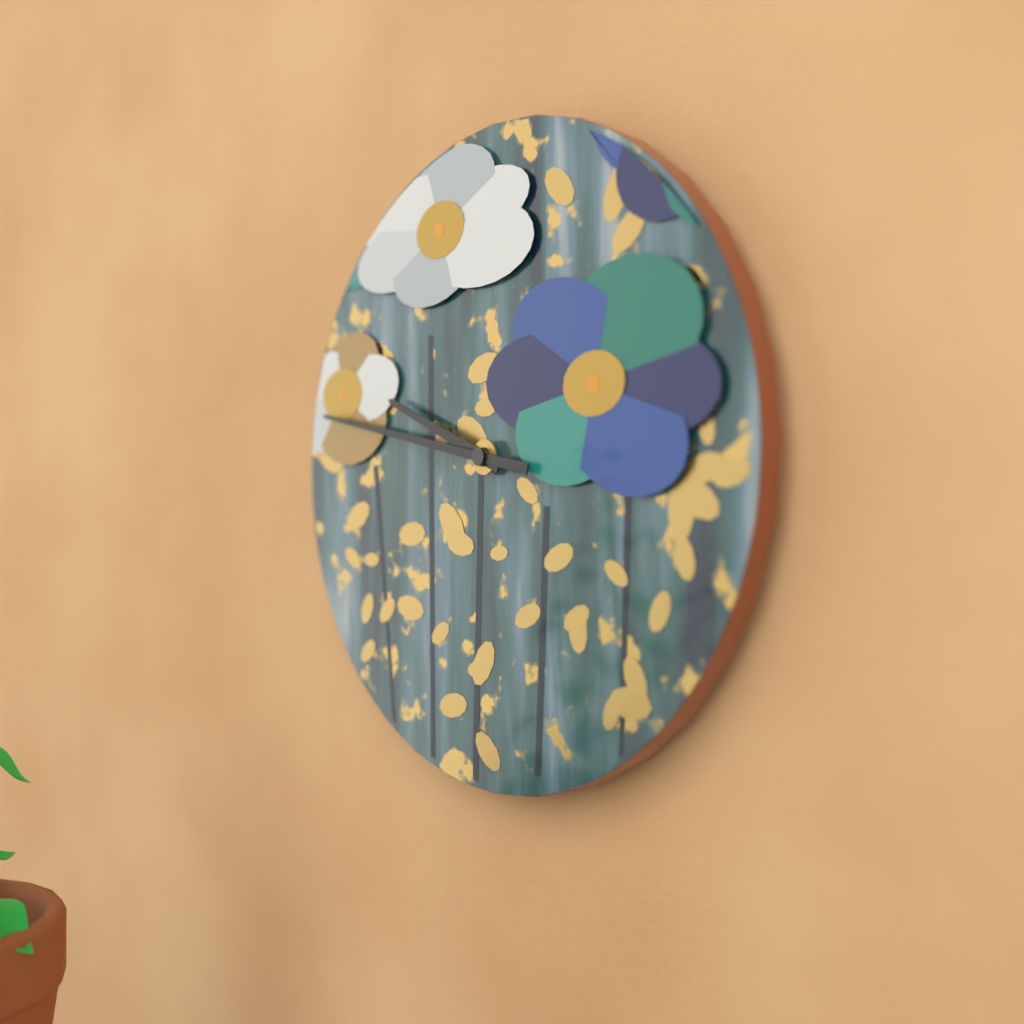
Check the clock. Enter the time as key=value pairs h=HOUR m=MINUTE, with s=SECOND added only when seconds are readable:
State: h=9 m=47
